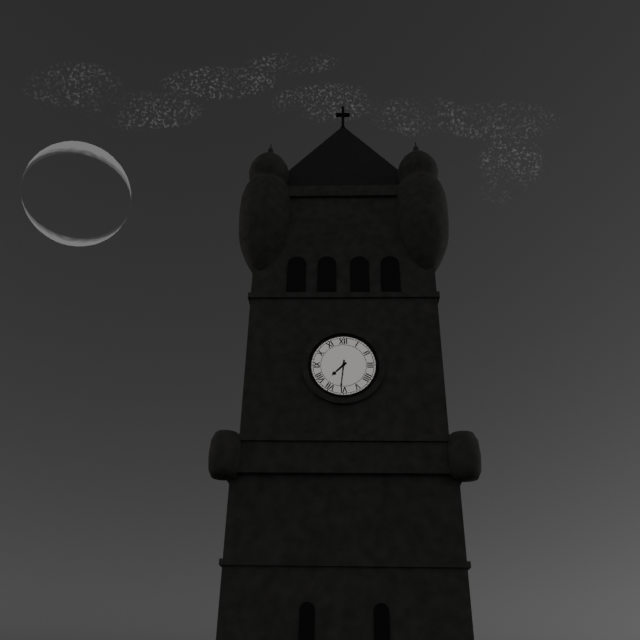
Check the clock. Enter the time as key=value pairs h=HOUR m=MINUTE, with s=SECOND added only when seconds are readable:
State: h=7 m=31
